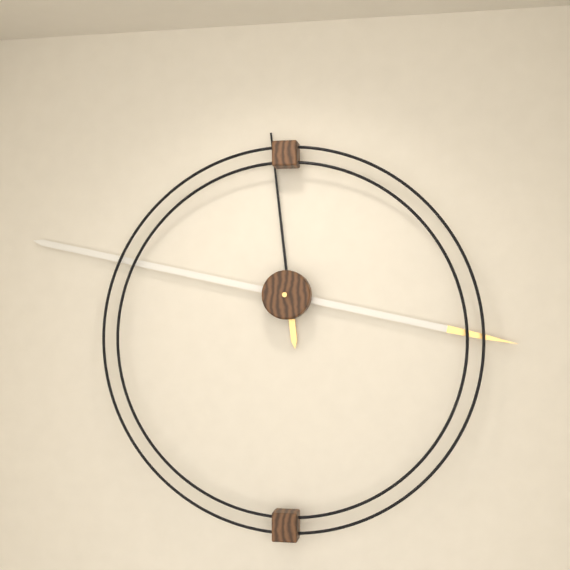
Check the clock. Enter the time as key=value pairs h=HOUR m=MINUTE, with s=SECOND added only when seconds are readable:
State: h=11 m=47
